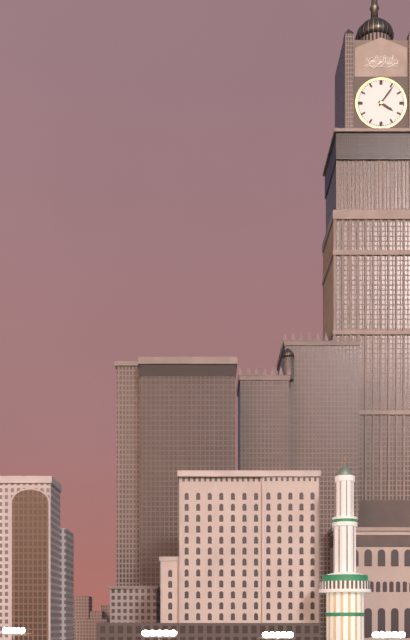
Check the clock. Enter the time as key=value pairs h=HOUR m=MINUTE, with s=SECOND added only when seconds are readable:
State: h=4 m=6
